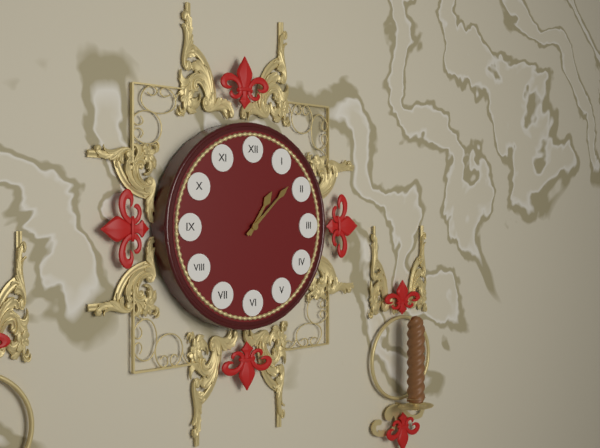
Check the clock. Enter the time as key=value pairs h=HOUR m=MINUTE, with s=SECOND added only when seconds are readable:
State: h=1 m=8
